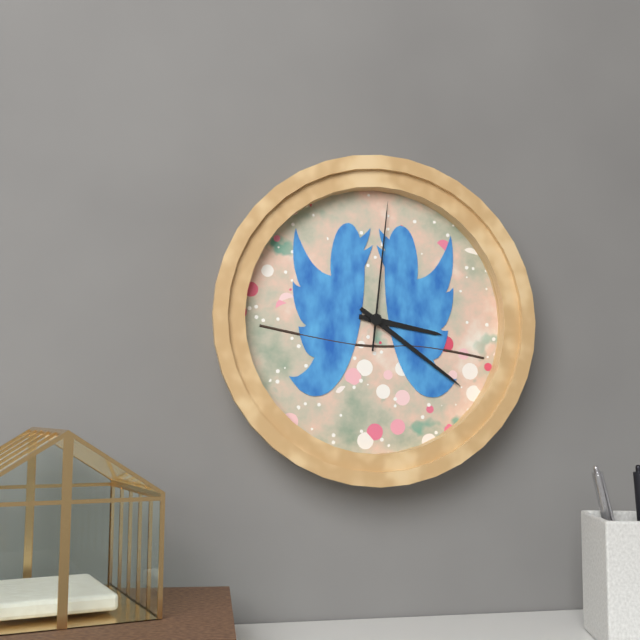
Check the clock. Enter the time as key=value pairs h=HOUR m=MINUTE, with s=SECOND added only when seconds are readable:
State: h=3 m=21 s=1
